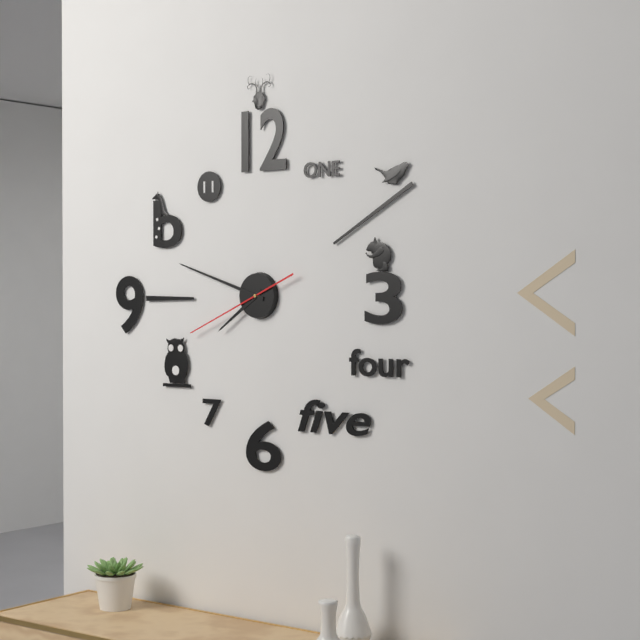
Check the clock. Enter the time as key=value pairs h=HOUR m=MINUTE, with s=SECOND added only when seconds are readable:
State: h=7 m=48 s=41
